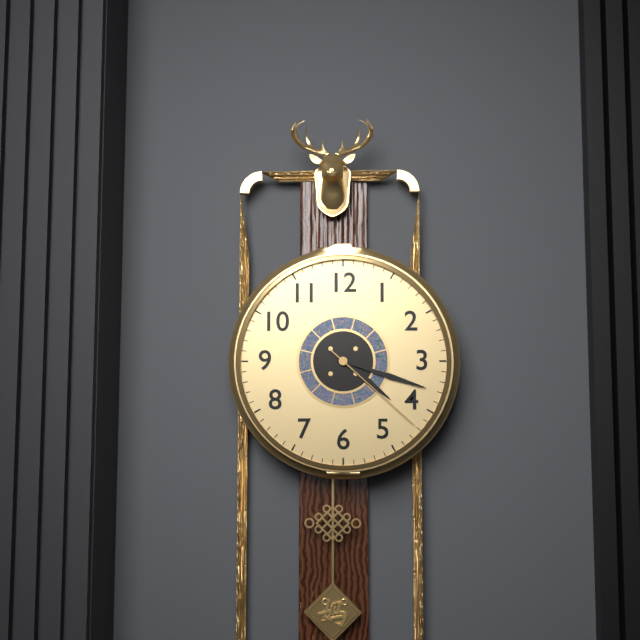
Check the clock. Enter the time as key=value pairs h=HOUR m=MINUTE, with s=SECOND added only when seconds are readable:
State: h=4 m=18 s=22
